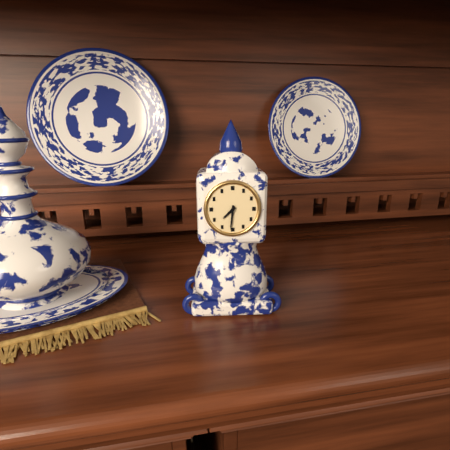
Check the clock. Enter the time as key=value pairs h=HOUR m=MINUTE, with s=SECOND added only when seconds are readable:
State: h=7 m=31
